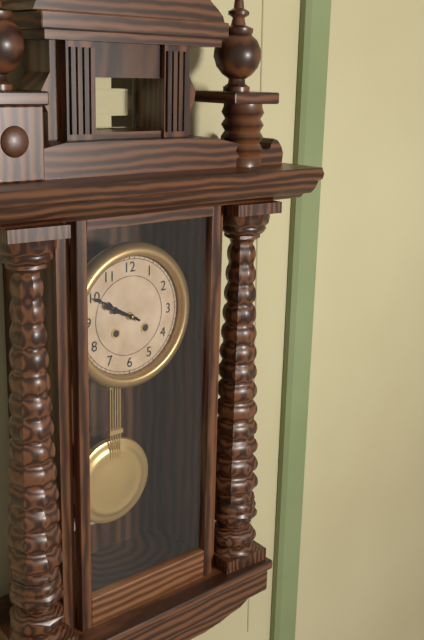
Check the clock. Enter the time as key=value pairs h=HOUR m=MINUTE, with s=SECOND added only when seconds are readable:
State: h=9 m=50
